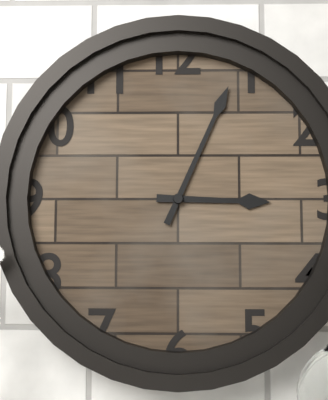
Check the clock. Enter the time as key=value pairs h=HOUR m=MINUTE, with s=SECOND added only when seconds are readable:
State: h=3 m=4
